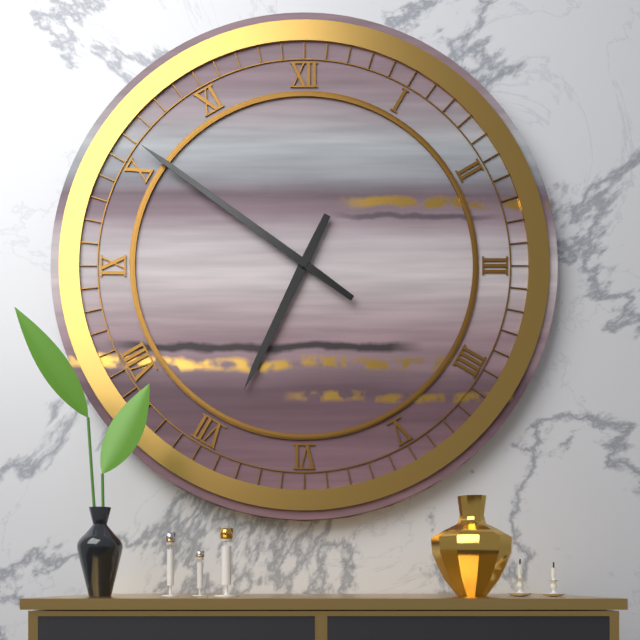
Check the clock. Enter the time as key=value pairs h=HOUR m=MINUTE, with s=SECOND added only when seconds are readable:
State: h=6 m=51
